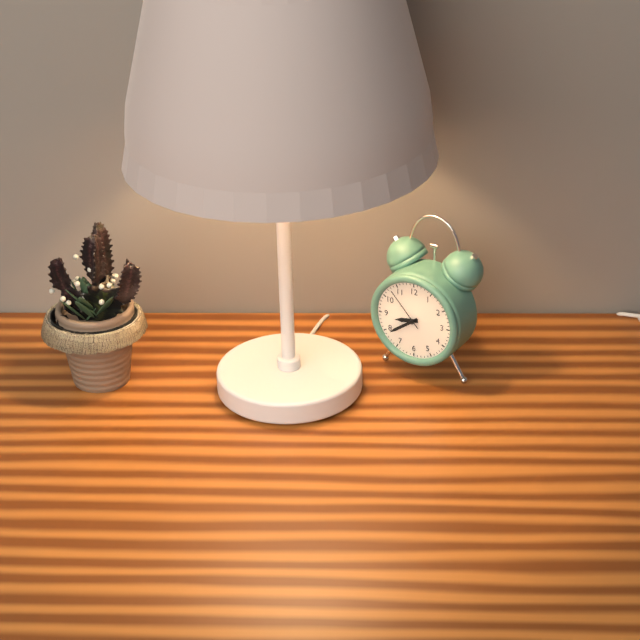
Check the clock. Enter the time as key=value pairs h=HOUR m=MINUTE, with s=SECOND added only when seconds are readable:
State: h=8 m=39
